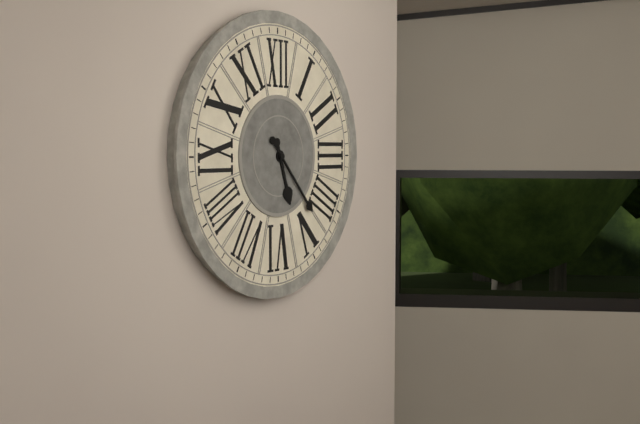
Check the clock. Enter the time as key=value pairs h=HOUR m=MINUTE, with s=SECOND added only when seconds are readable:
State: h=5 m=23
